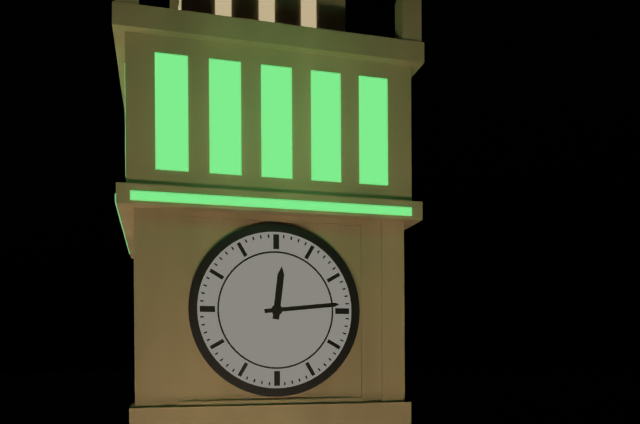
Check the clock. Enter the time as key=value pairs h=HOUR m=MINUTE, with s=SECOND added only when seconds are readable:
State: h=12 m=14
